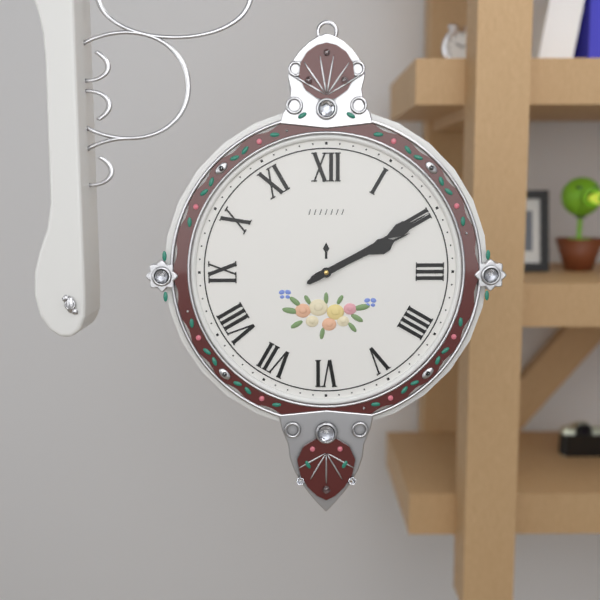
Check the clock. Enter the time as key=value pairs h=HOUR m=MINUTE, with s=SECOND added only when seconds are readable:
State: h=2 m=10
